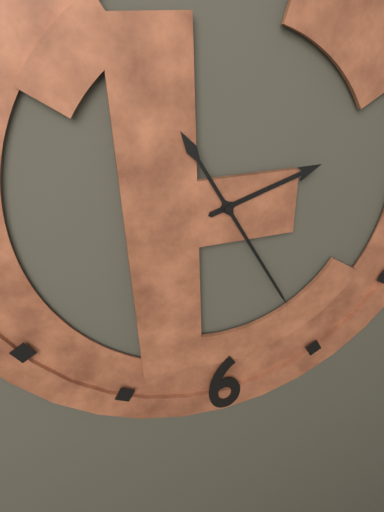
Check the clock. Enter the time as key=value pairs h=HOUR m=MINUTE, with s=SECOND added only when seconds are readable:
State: h=2 m=25
